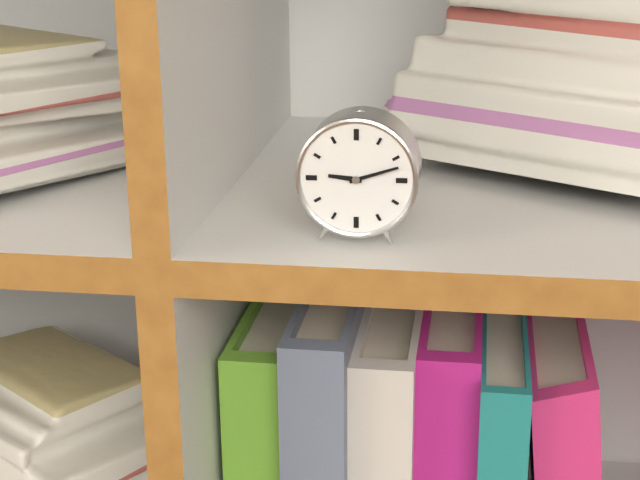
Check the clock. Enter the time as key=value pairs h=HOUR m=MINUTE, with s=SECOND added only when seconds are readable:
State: h=9 m=12
